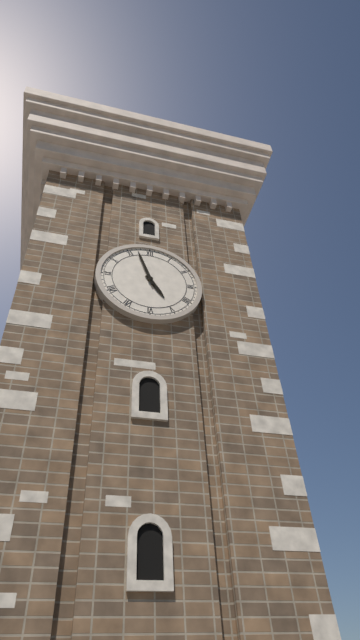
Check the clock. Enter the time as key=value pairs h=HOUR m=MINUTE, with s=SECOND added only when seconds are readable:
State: h=4 m=57
